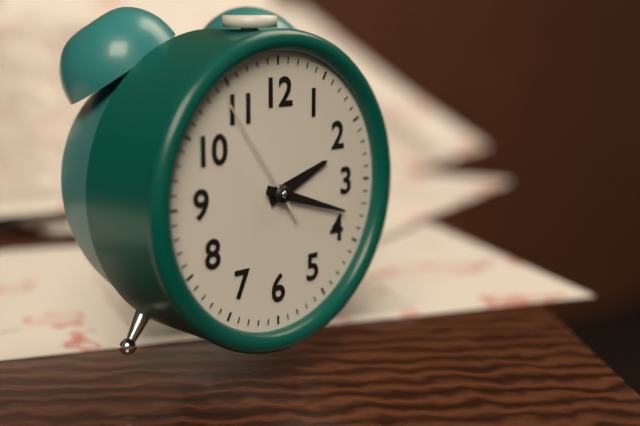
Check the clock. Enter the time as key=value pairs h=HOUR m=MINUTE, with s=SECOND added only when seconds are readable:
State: h=2 m=18 s=54
